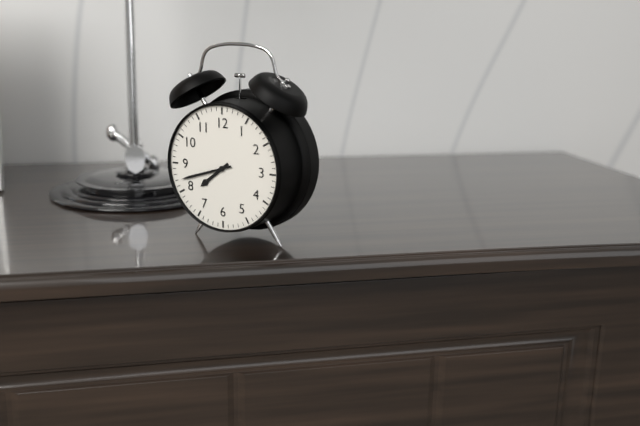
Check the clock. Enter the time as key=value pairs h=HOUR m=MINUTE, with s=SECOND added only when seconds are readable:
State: h=7 m=42
